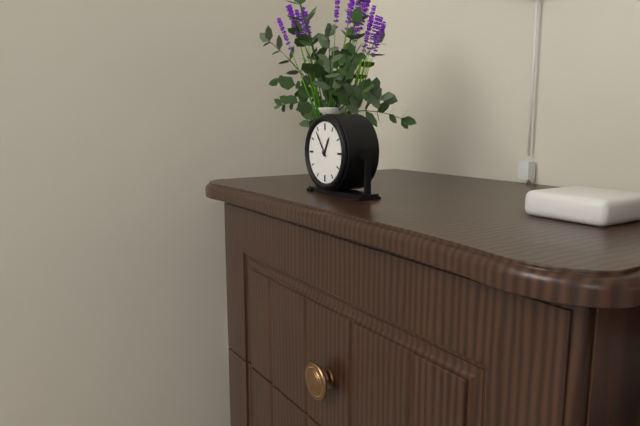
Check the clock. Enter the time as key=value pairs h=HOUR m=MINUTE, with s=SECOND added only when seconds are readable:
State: h=12 m=54
